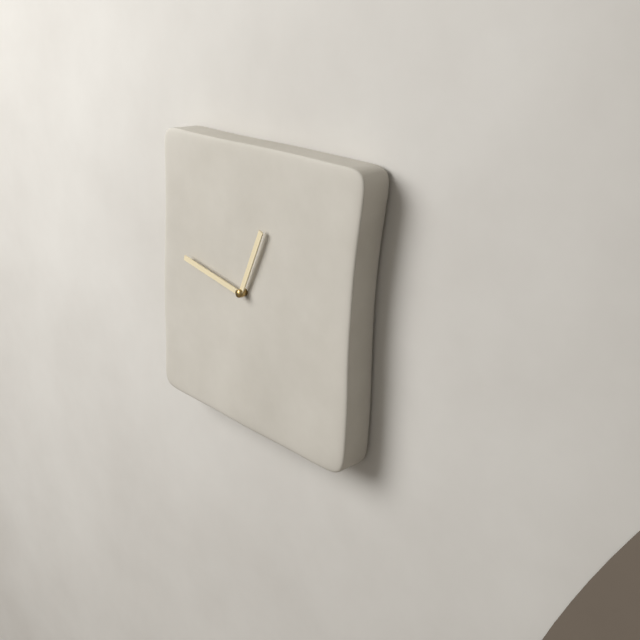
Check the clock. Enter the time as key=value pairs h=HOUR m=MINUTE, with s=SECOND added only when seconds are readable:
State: h=12 m=47
